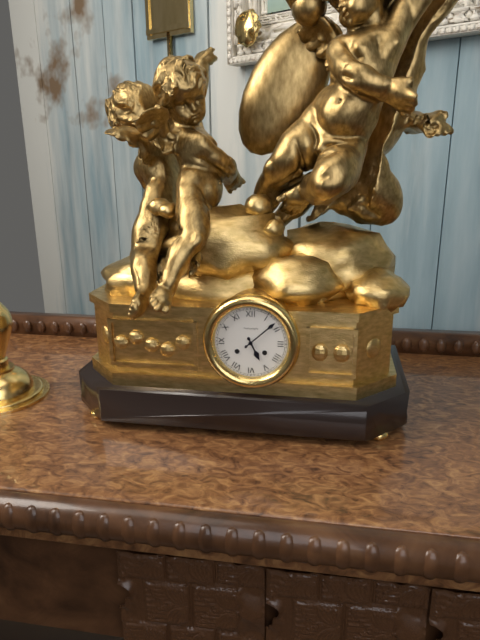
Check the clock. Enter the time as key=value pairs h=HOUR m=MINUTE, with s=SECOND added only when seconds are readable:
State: h=5 m=8
